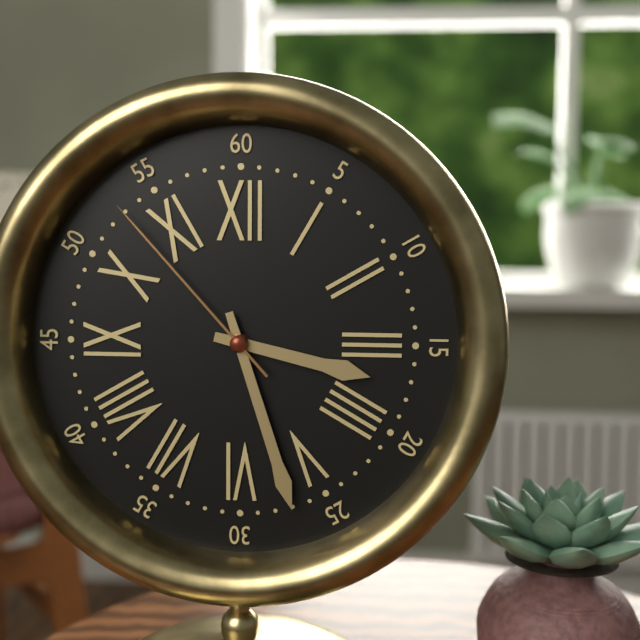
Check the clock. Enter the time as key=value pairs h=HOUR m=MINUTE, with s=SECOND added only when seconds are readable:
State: h=3 m=27 s=53
